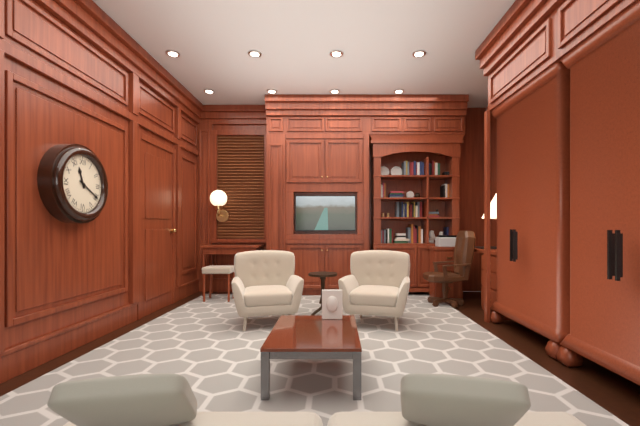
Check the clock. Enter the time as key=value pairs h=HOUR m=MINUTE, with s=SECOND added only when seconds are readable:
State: h=11 m=20
